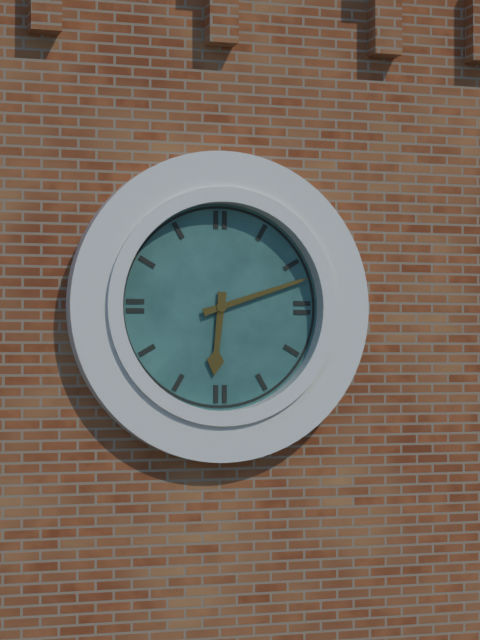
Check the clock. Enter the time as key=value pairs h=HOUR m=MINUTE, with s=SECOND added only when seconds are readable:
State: h=6 m=12
